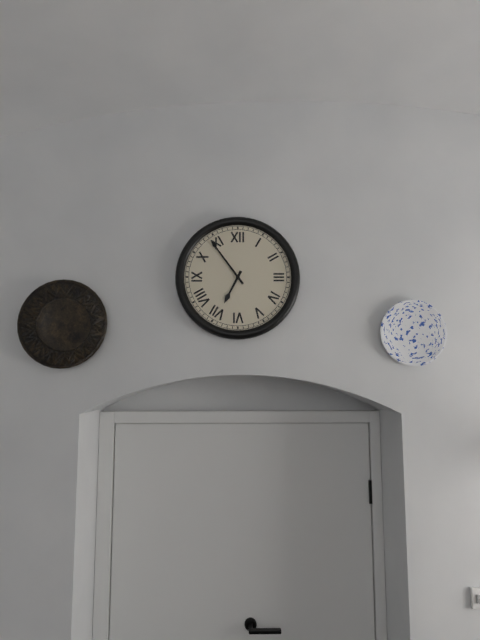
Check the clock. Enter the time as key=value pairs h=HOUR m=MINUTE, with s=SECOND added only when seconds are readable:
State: h=6 m=54
